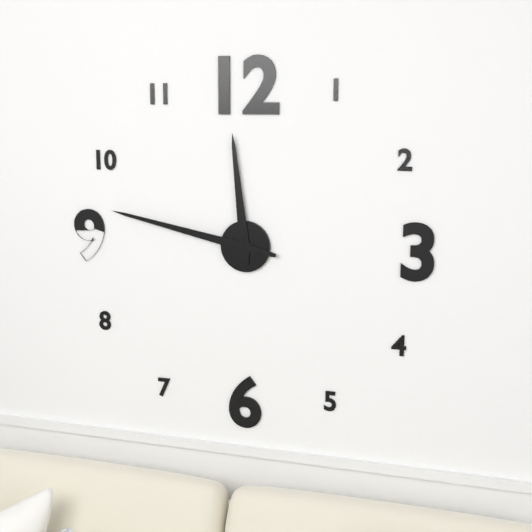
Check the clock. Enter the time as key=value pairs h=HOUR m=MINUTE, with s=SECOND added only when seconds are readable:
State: h=11 m=47
